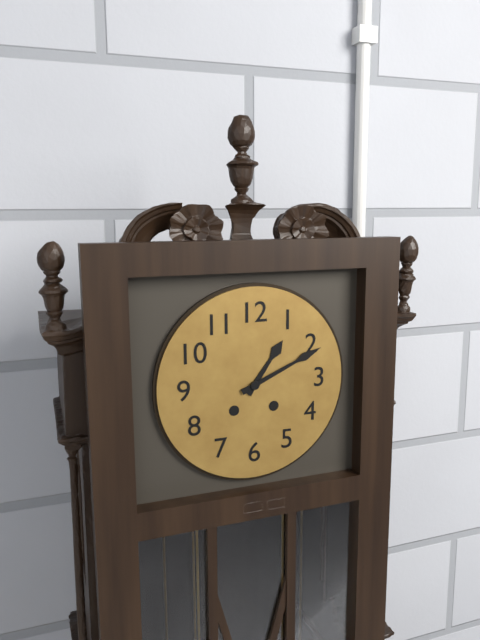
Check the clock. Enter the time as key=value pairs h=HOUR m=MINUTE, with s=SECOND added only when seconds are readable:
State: h=1 m=11
